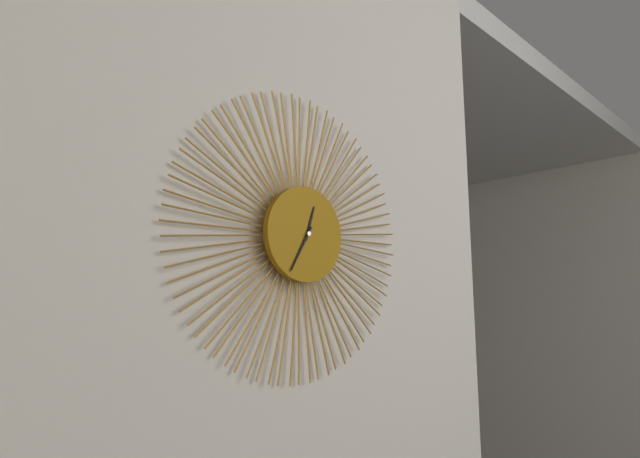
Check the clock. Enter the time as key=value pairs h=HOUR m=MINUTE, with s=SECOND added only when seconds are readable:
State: h=12 m=35
